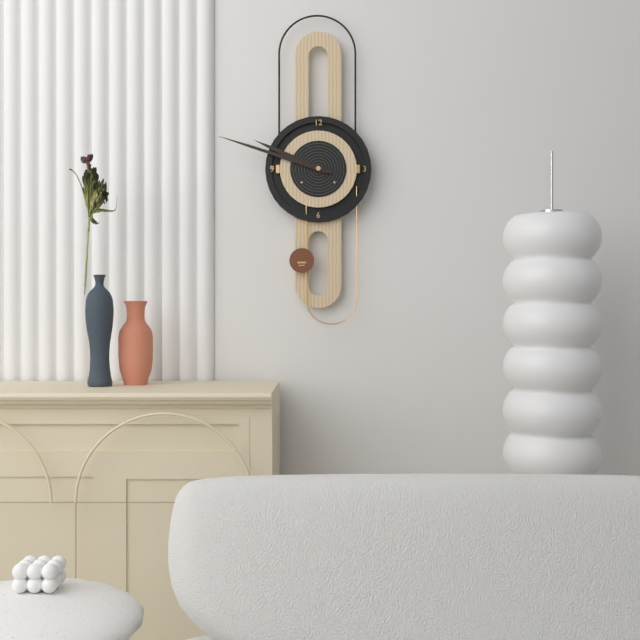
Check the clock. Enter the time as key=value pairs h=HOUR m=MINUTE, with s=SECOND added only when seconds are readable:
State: h=9 m=48
